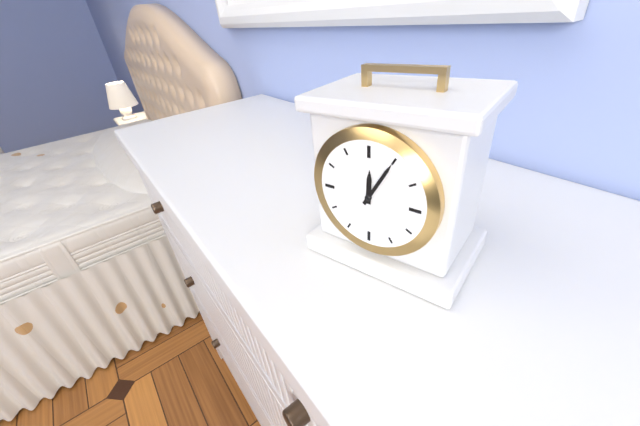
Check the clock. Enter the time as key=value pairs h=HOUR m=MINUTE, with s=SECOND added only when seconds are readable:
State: h=12 m=5
